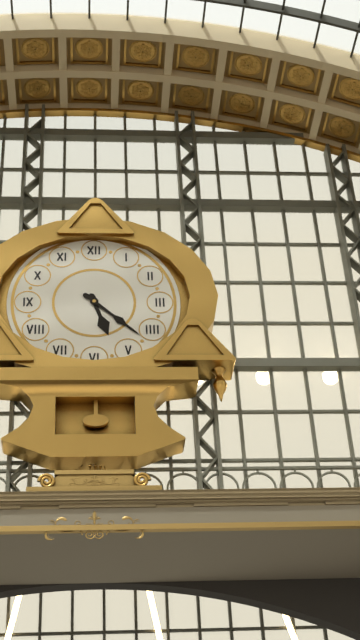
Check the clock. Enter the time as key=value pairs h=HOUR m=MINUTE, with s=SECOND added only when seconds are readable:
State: h=5 m=22
